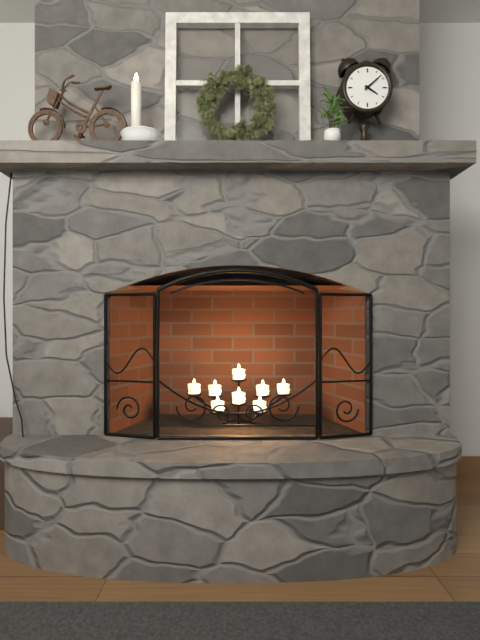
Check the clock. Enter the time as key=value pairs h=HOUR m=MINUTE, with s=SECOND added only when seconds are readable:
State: h=4 m=8
